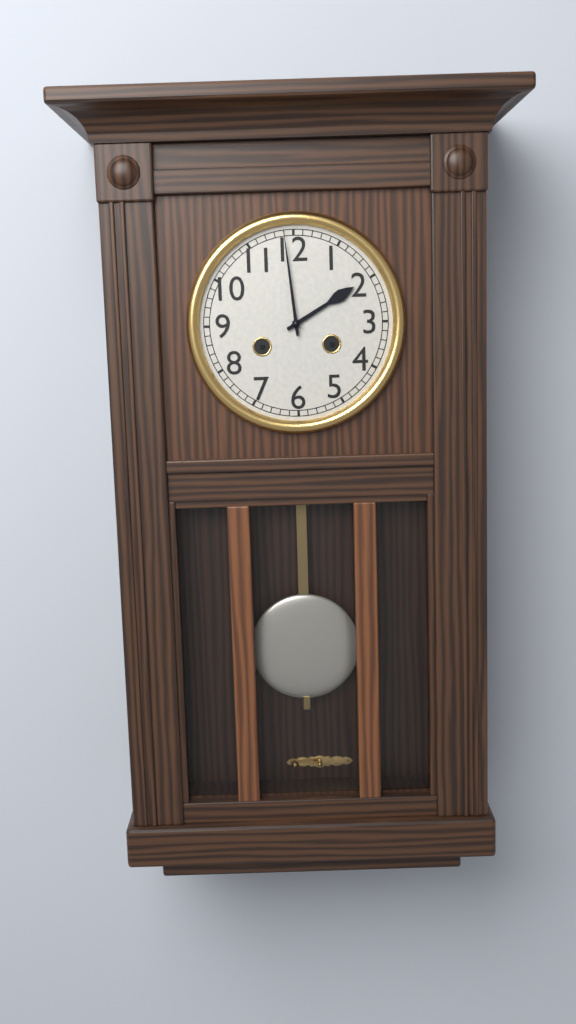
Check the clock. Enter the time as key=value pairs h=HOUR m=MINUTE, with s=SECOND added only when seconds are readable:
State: h=1 m=59
